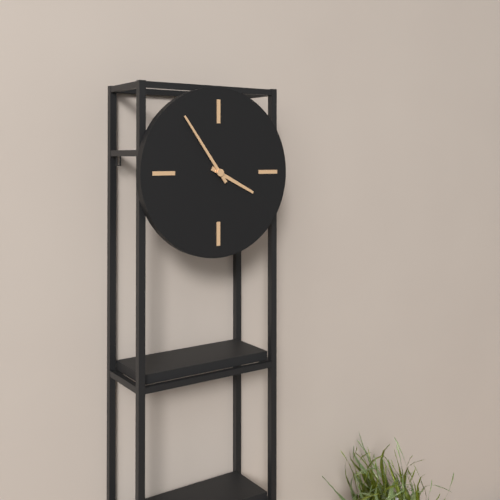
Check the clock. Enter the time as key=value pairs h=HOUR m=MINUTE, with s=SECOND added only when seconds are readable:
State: h=3 m=54
